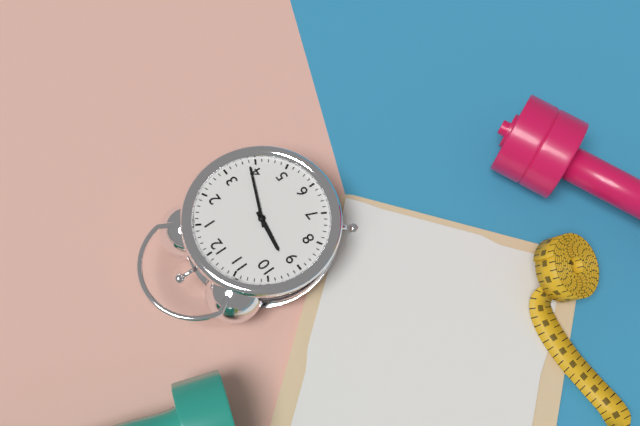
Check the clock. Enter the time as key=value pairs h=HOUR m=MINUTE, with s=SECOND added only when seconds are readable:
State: h=9 m=19
